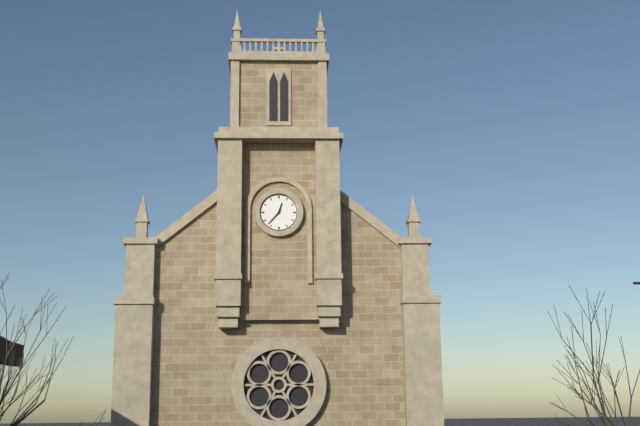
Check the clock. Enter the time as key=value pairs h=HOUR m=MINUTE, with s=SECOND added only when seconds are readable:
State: h=12 m=37
